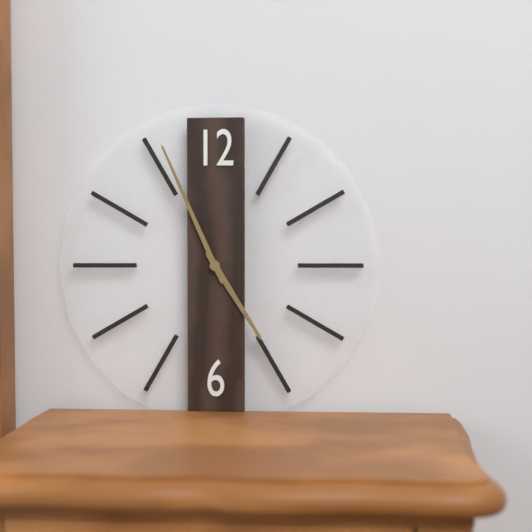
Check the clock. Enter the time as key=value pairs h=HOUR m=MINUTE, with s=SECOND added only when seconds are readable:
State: h=4 m=56
